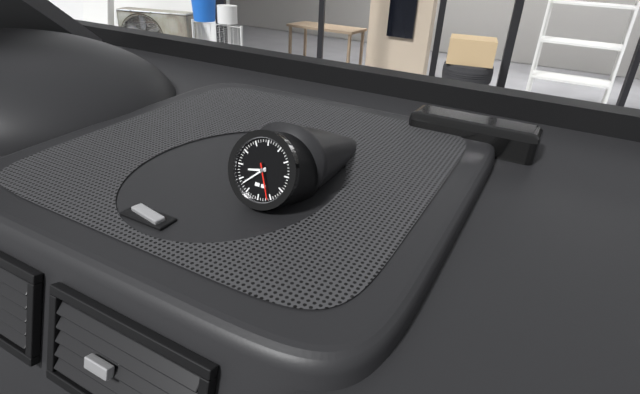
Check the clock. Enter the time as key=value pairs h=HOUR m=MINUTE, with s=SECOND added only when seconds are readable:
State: h=8 m=38
